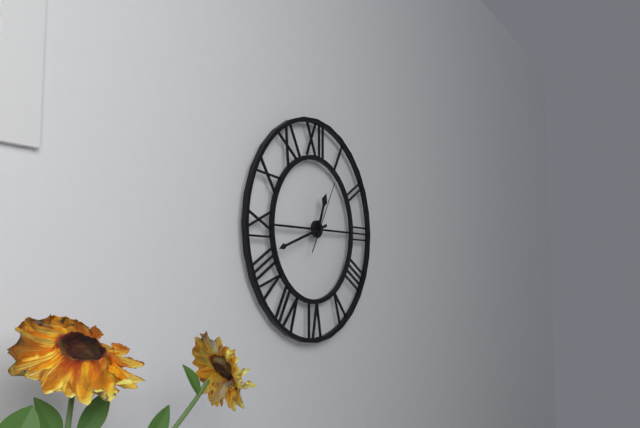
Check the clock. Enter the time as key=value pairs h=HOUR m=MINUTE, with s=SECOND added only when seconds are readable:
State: h=12 m=42 s=5
